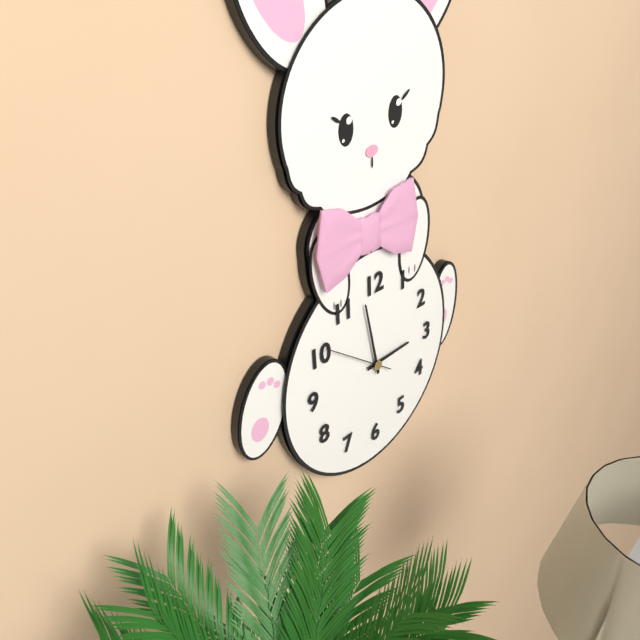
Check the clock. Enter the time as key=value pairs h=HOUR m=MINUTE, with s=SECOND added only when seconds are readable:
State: h=2 m=58 s=51
